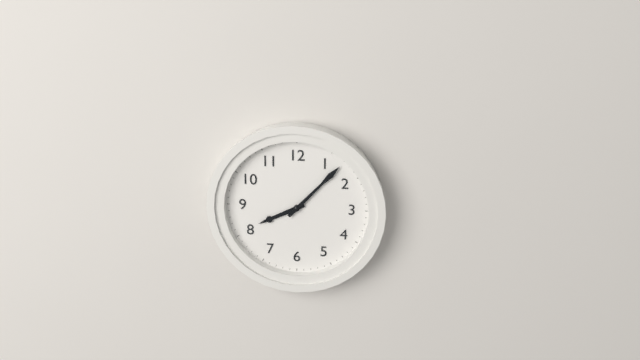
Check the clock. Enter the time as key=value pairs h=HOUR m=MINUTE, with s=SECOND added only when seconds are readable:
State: h=8 m=7
